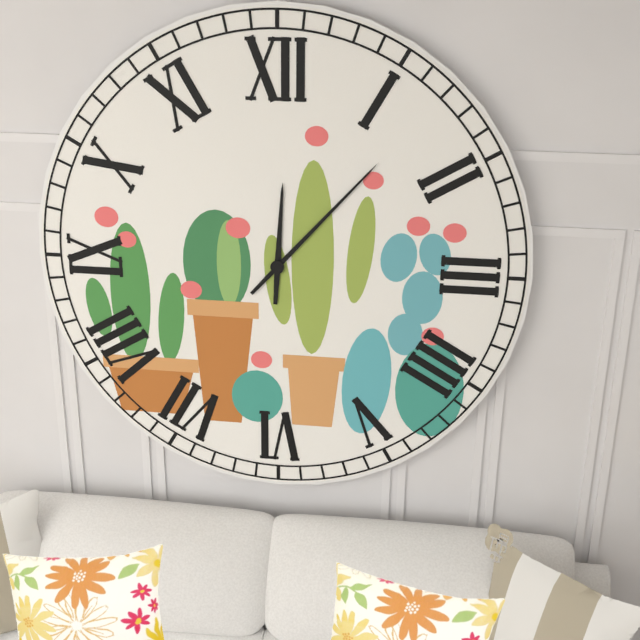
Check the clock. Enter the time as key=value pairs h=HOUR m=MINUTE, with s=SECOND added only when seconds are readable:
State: h=12 m=7
